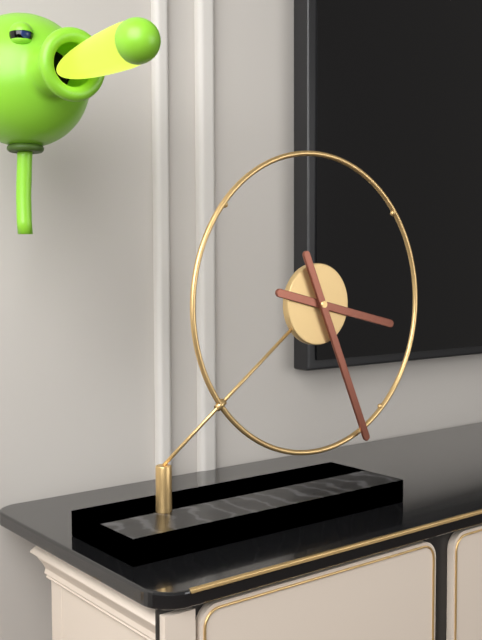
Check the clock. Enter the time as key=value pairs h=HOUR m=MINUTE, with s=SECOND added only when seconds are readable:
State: h=3 m=26
